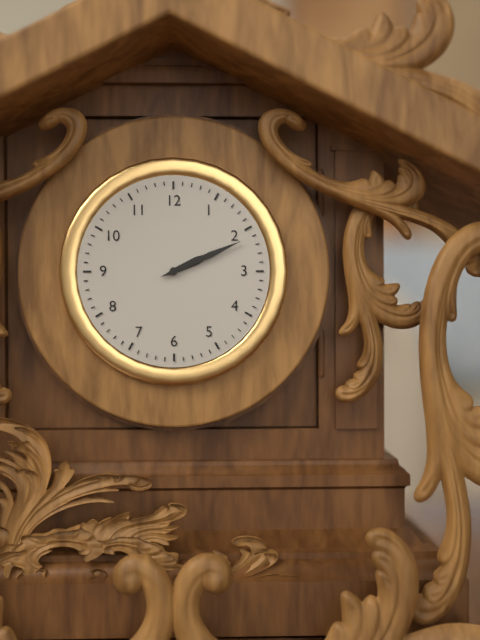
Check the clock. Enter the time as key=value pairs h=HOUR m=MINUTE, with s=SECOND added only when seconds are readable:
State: h=2 m=11
